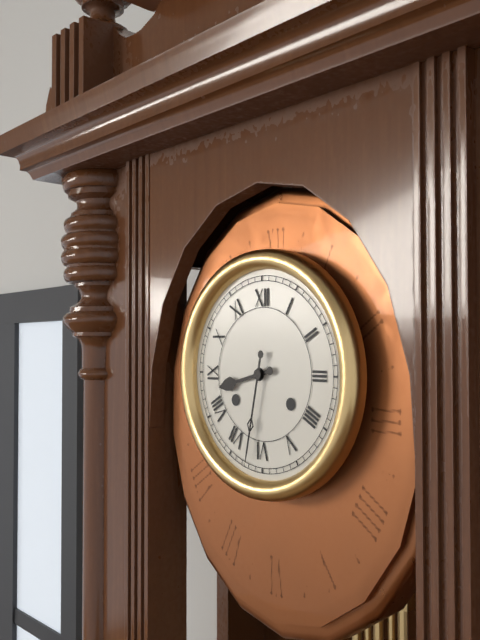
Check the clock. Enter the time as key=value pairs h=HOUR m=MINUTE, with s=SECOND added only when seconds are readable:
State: h=8 m=32
